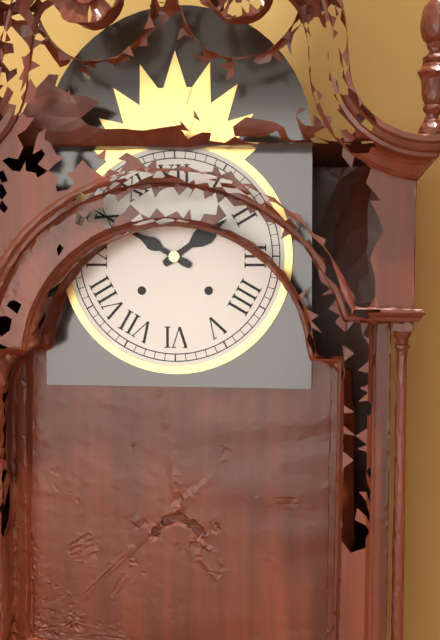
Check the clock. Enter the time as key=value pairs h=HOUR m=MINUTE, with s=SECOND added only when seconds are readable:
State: h=1 m=50
